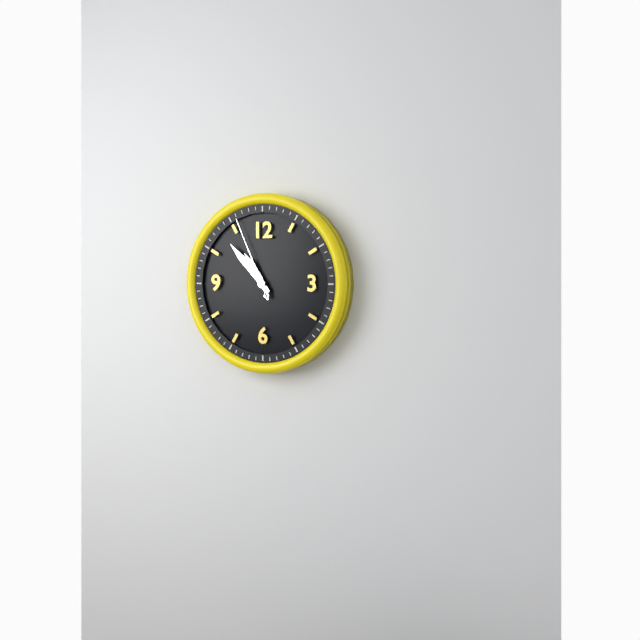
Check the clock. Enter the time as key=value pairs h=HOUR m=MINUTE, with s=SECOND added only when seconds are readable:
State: h=10 m=53 s=56
